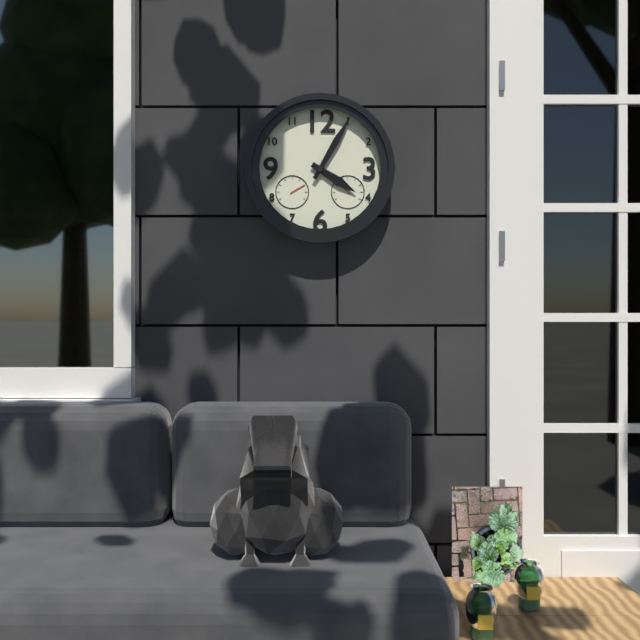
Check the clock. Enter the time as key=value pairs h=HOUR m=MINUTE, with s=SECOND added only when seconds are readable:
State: h=4 m=5
